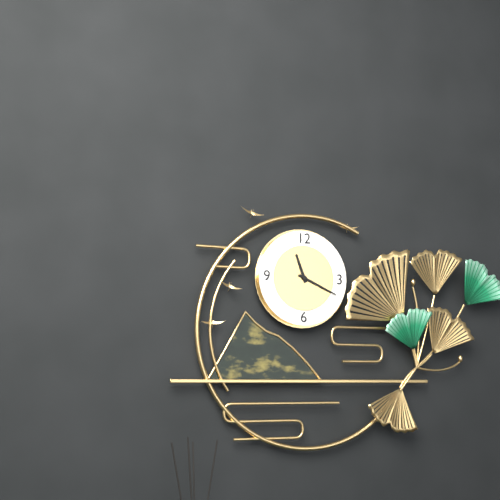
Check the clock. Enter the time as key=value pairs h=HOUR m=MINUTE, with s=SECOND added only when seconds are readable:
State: h=11 m=19
